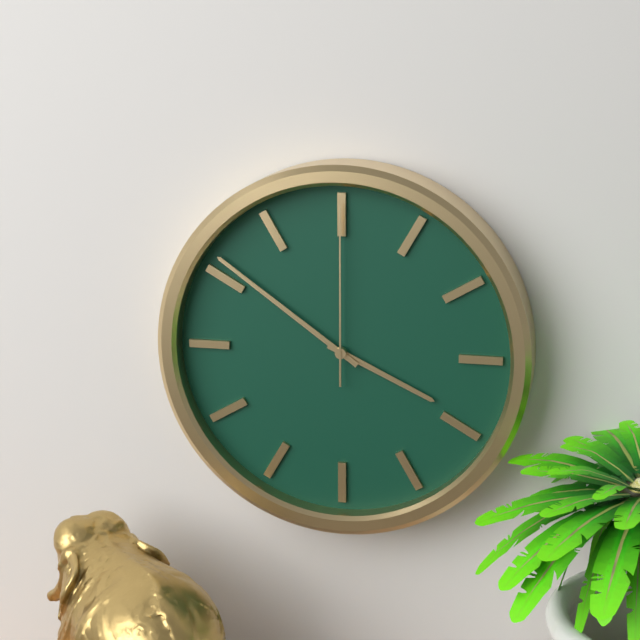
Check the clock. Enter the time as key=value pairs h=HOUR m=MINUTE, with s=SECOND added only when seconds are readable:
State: h=3 m=51 s=0
